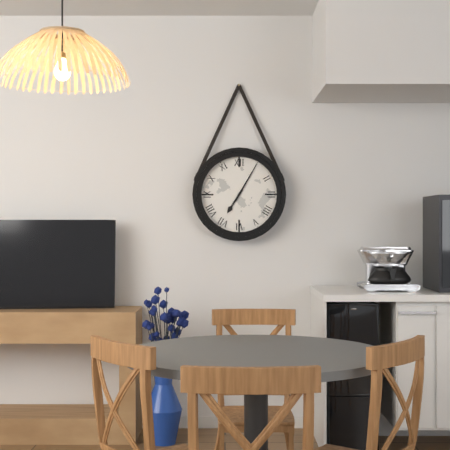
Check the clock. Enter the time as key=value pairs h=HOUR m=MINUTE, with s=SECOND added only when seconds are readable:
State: h=7 m=5
